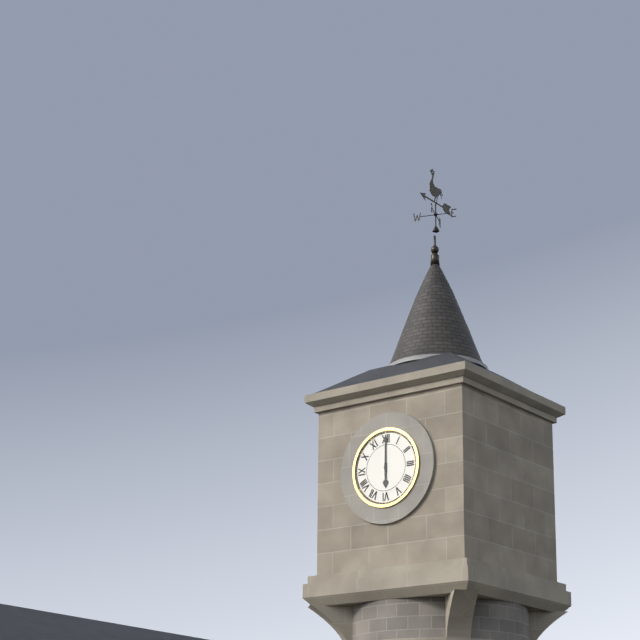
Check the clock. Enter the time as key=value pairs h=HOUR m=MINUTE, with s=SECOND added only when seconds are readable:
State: h=6 m=0
